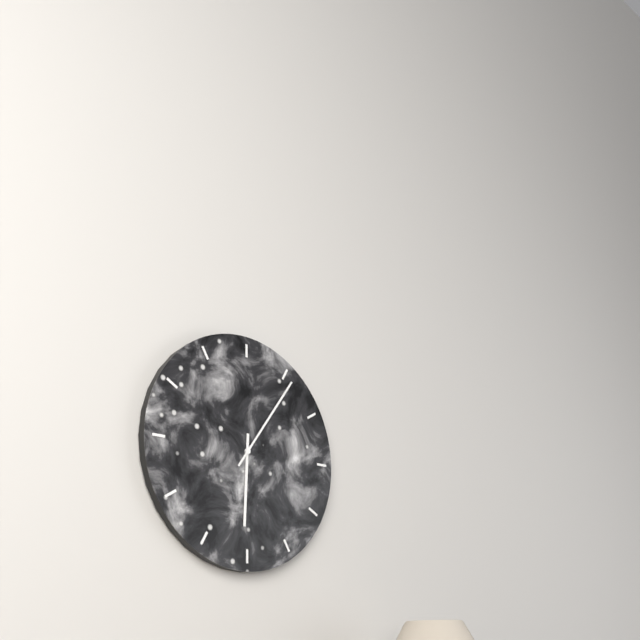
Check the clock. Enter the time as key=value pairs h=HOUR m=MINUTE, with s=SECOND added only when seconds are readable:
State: h=6 m=6
